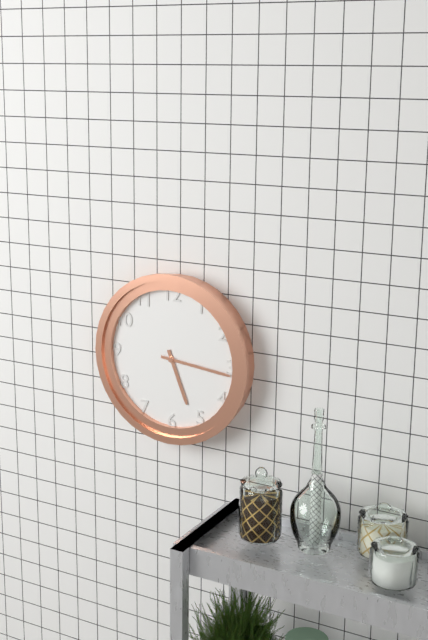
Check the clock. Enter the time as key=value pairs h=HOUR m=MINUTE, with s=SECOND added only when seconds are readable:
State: h=5 m=16
